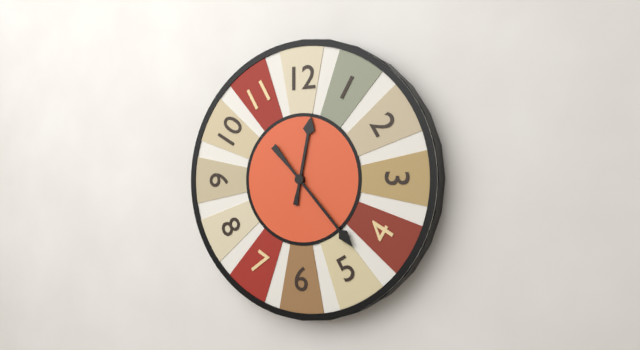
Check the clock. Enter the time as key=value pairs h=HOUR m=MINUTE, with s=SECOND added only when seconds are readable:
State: h=12 m=23
